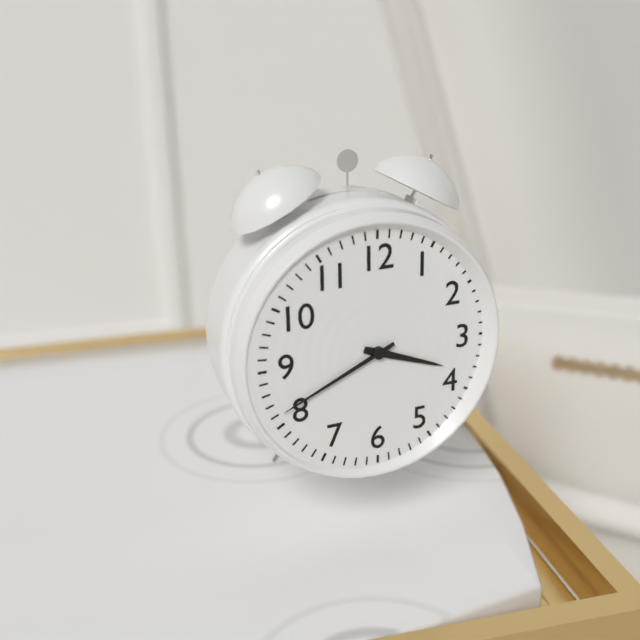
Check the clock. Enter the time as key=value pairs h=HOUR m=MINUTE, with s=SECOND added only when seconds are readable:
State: h=3 m=41
